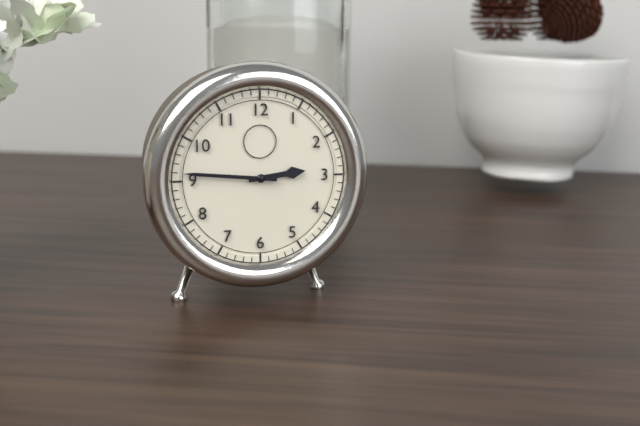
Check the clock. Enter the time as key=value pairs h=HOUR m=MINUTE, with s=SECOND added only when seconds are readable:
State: h=2 m=46
